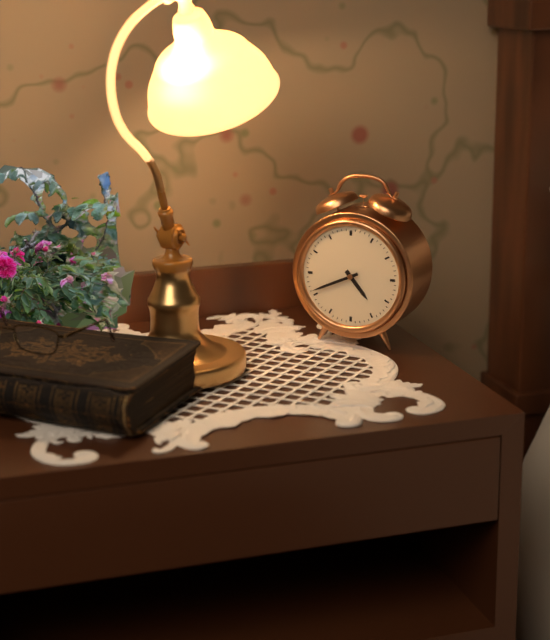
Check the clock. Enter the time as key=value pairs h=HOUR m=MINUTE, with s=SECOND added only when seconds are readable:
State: h=4 m=41
